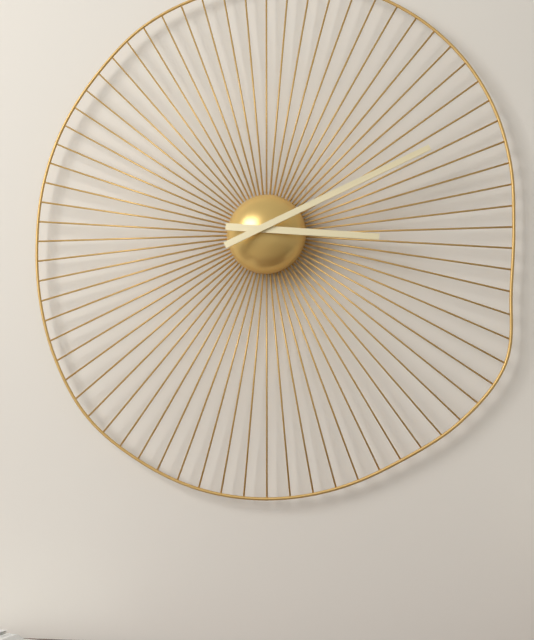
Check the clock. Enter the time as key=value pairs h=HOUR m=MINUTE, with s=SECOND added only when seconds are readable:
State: h=3 m=11
